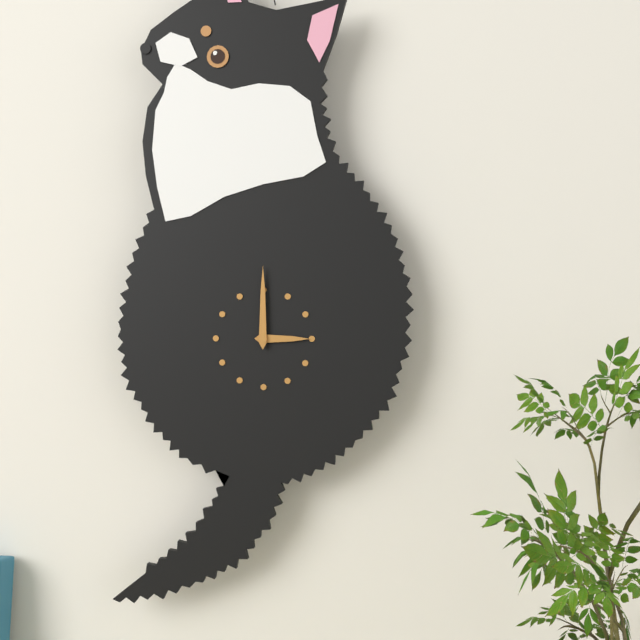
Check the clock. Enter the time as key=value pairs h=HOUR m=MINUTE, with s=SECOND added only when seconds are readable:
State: h=3 m=0
